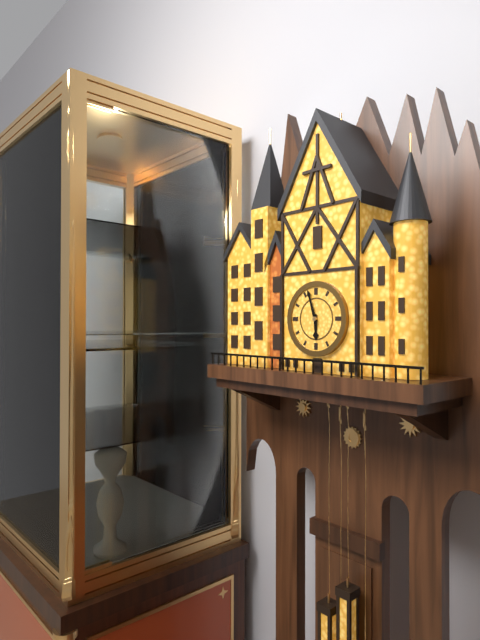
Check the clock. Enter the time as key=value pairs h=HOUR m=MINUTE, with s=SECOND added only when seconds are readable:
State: h=5 m=57
